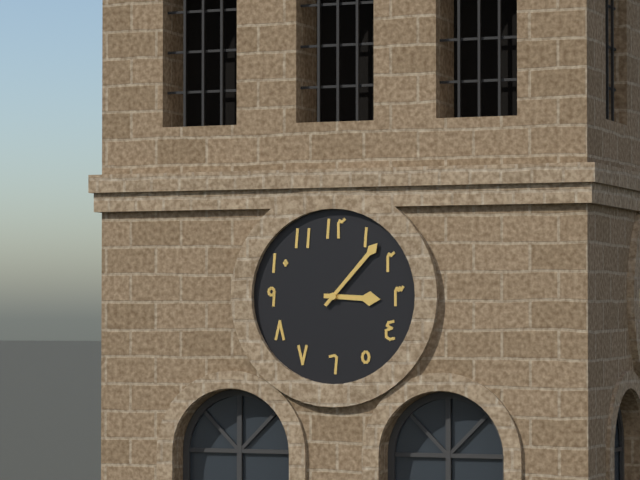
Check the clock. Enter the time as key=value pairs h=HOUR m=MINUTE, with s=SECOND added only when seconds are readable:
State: h=3 m=7
